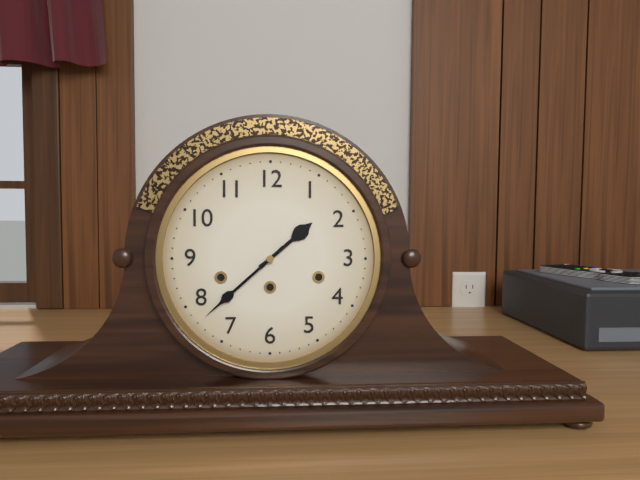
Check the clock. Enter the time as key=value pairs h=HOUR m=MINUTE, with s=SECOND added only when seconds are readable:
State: h=1 m=38
